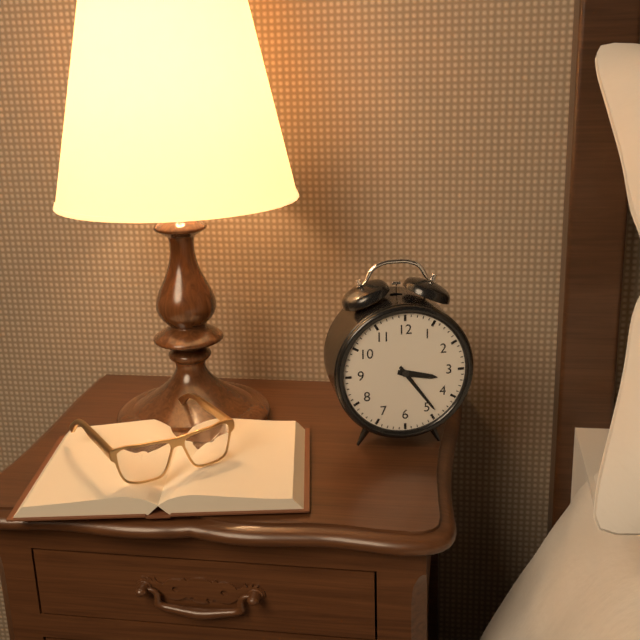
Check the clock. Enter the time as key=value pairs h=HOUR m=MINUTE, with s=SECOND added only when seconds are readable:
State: h=3 m=24
